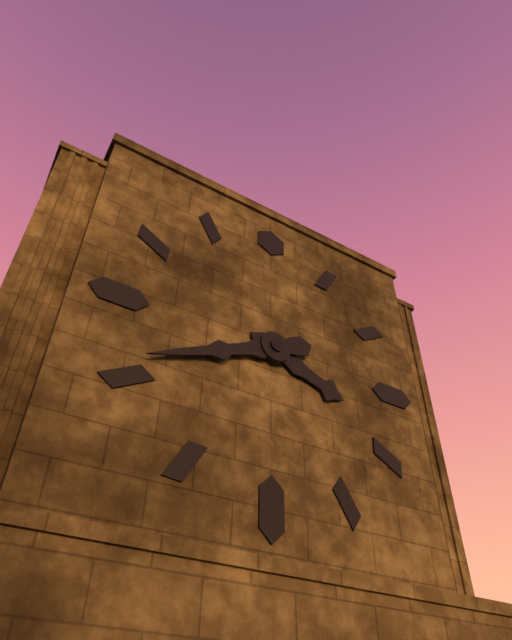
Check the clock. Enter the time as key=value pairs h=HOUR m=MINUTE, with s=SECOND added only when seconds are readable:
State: h=3 m=41
